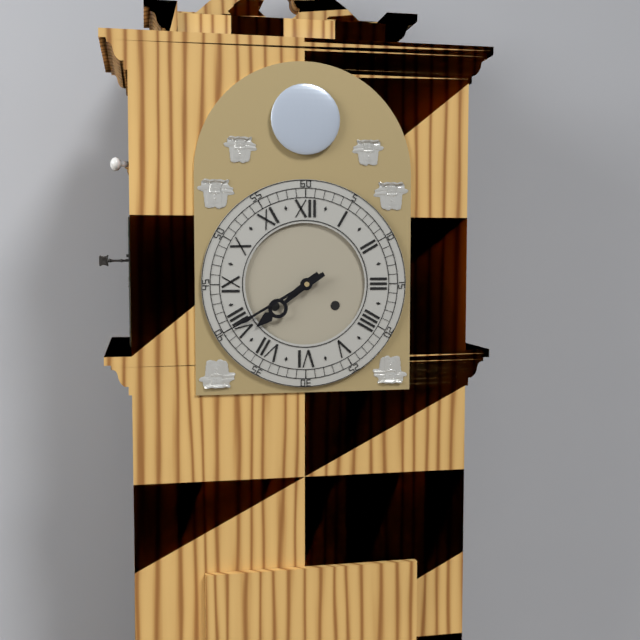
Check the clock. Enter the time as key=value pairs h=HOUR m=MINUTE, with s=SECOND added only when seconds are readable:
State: h=7 m=40
